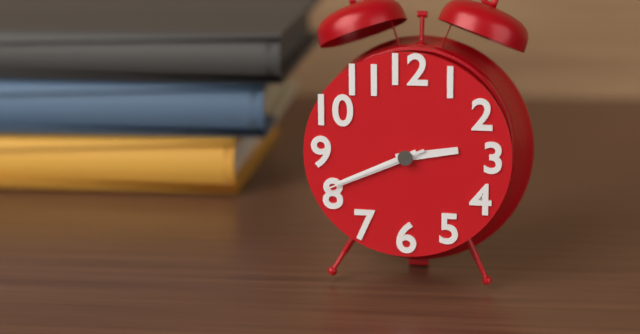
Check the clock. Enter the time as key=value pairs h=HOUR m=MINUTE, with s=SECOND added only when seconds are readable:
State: h=2 m=41 s=41
